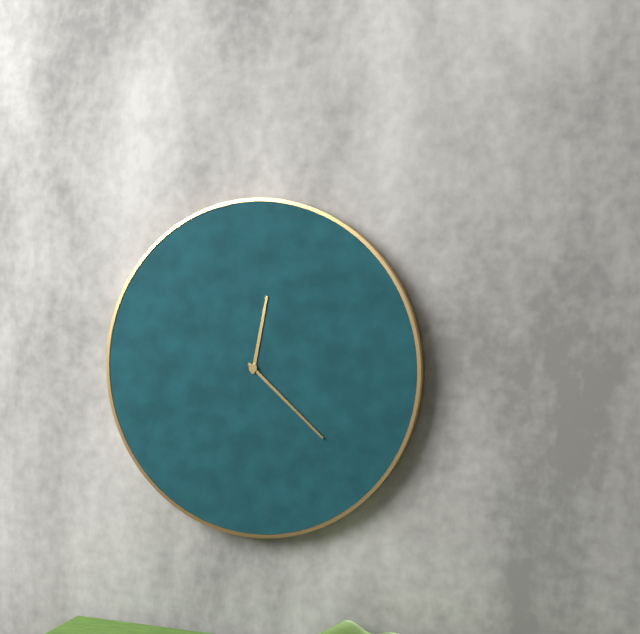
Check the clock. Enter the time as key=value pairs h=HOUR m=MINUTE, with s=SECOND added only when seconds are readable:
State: h=12 m=22
